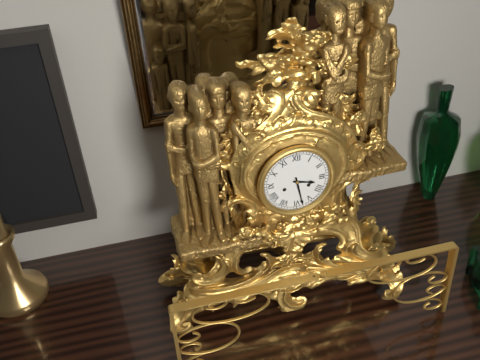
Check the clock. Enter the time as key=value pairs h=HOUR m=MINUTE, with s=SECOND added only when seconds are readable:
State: h=3 m=28
